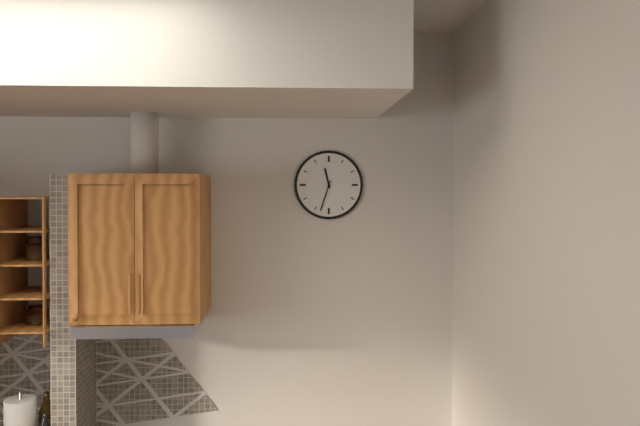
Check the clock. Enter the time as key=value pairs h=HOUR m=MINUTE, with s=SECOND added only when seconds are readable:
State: h=11 m=33
